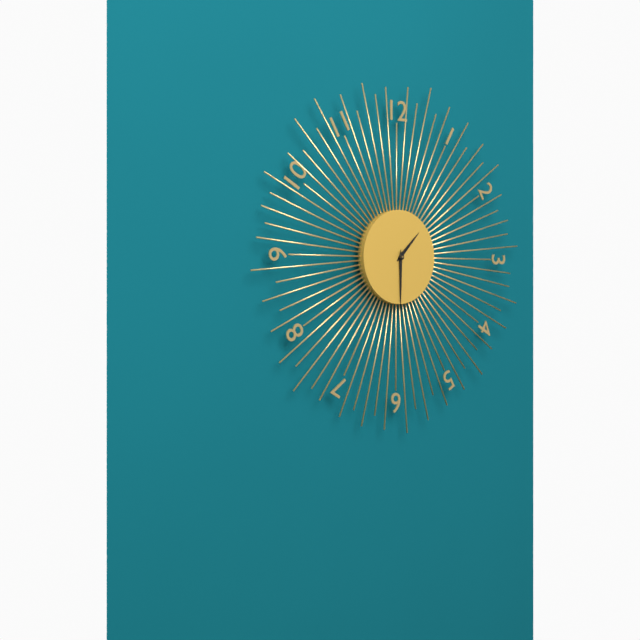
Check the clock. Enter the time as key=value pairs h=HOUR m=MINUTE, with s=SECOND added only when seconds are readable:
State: h=1 m=30
